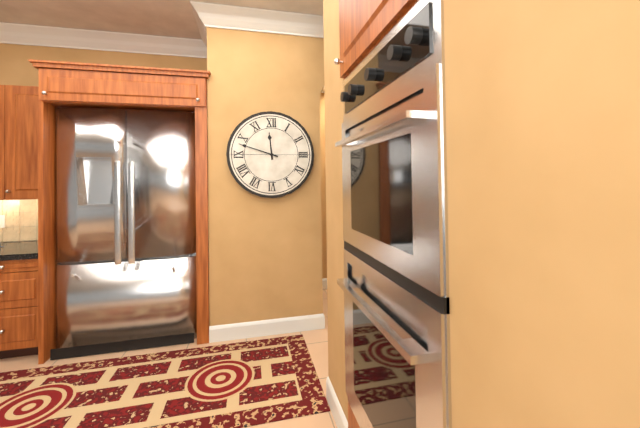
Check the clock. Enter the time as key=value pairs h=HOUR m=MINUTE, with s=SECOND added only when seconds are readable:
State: h=11 m=48
